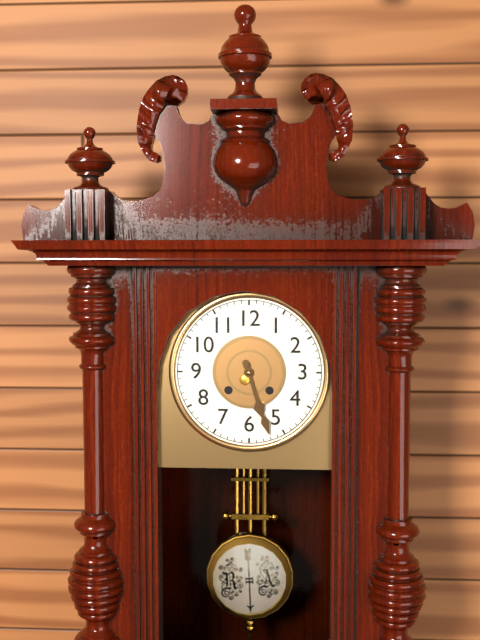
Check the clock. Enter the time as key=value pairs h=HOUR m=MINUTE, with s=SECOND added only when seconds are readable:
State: h=5 m=27
